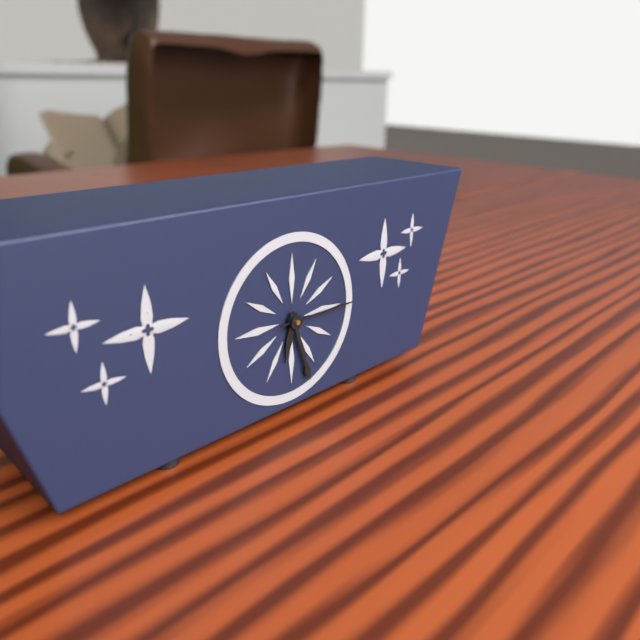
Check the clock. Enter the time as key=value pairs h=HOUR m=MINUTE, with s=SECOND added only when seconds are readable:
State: h=6 m=27 s=15
